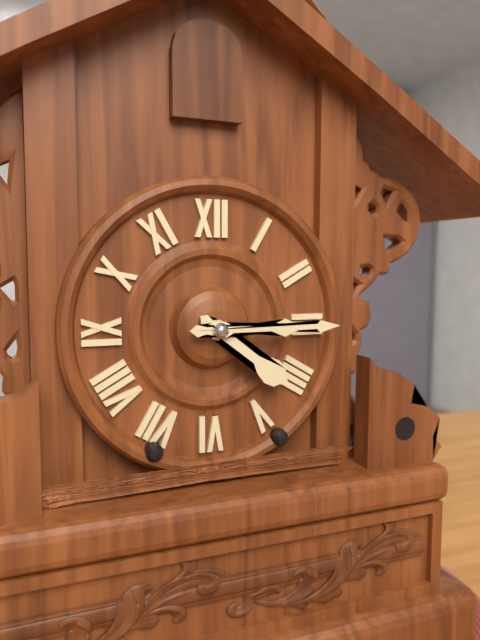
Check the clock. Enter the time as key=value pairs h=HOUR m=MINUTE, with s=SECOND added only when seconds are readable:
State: h=4 m=15
